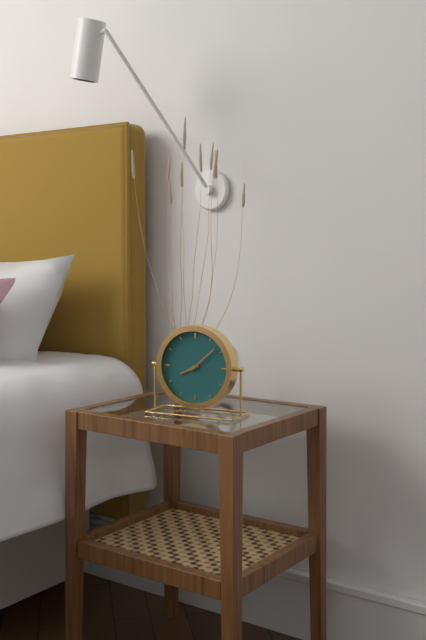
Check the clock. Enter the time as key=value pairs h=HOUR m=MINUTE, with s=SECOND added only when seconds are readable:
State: h=8 m=8
